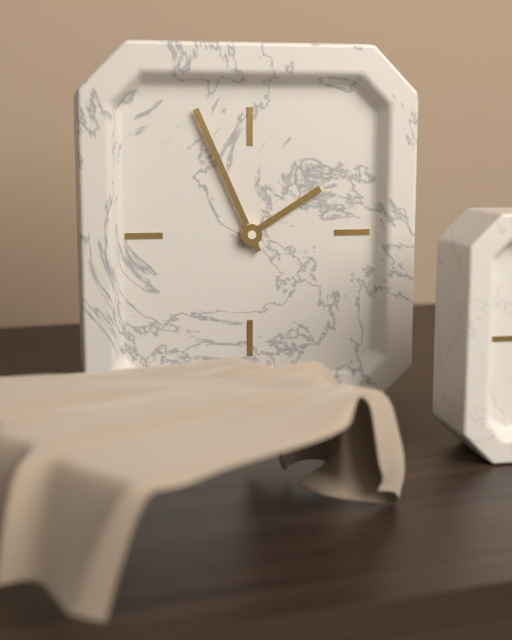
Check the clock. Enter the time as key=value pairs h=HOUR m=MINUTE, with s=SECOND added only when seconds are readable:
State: h=1 m=56
